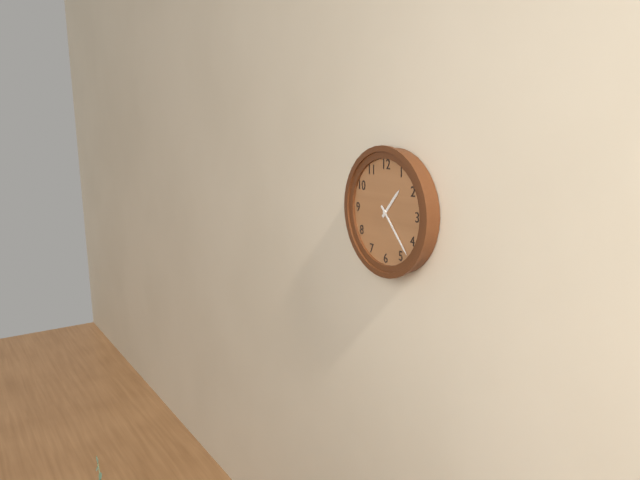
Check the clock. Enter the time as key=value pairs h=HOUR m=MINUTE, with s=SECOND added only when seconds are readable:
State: h=1 m=23
